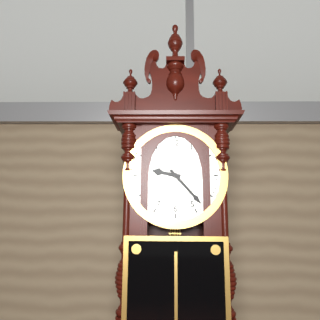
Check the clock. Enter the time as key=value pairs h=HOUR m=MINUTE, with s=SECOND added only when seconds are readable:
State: h=9 m=23
